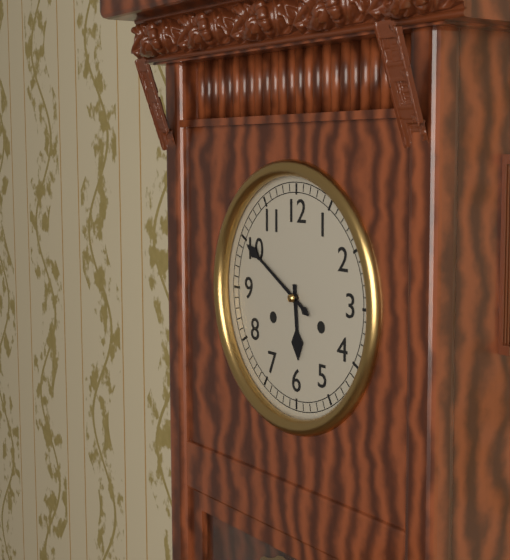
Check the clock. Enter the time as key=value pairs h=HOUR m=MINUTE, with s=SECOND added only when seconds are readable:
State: h=5 m=50
